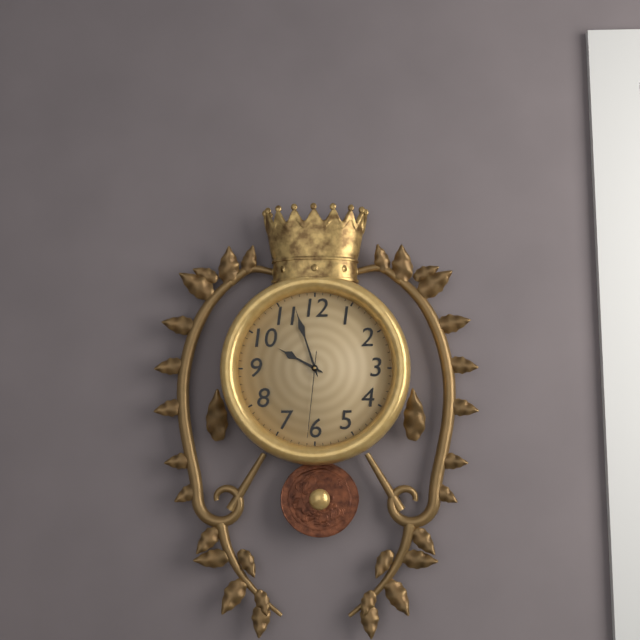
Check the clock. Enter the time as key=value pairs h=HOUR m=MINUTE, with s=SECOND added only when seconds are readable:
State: h=9 m=57 s=31
